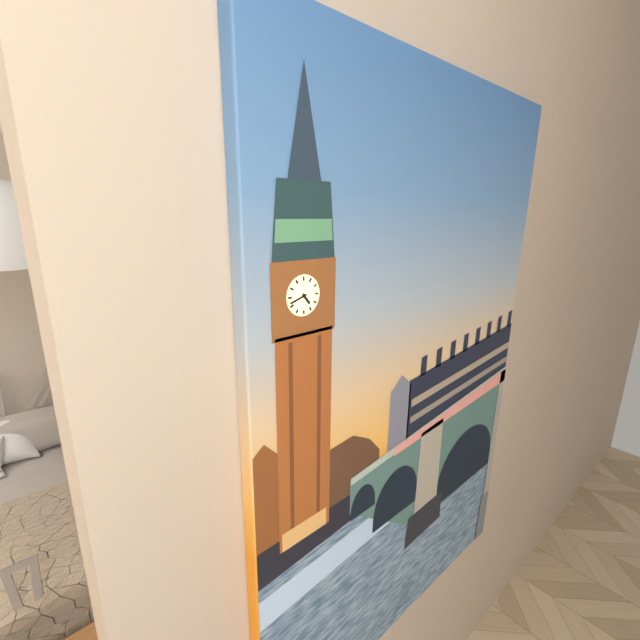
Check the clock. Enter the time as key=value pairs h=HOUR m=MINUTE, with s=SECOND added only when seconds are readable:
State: h=4 m=42
